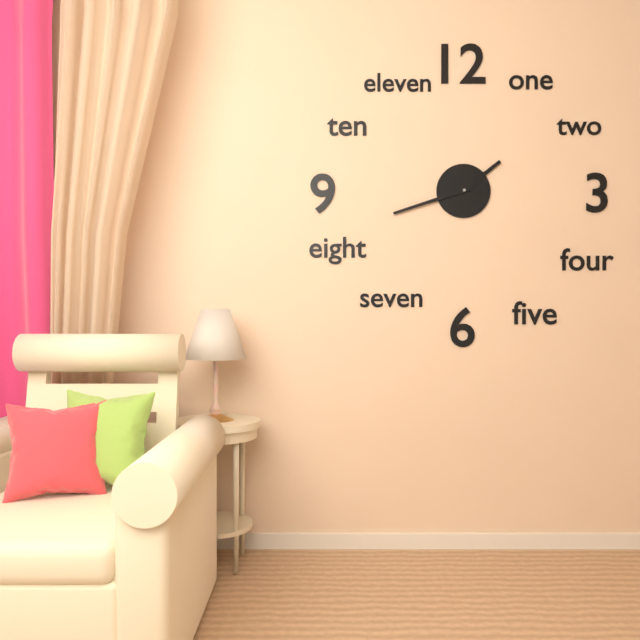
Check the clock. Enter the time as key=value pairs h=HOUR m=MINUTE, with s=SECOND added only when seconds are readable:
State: h=1 m=42
